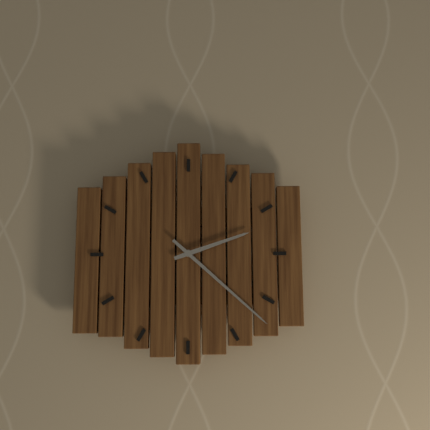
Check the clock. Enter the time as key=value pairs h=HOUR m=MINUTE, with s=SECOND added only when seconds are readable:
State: h=2 m=22
